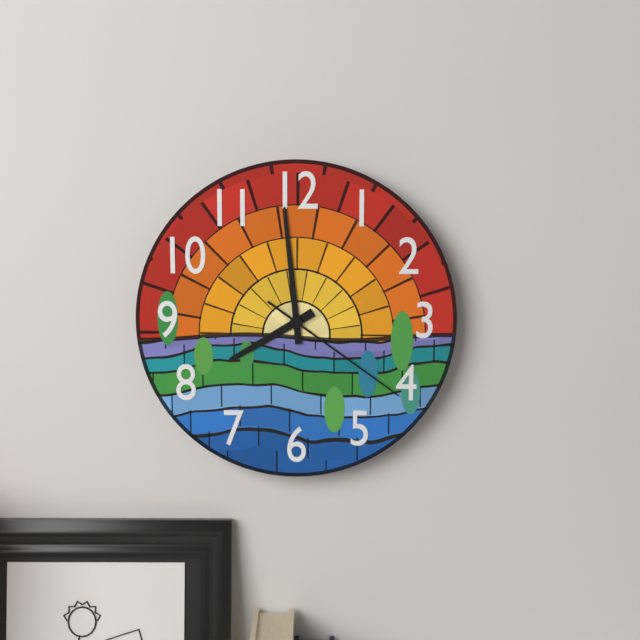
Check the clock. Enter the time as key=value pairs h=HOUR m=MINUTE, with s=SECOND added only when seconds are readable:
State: h=7 m=59 s=21
